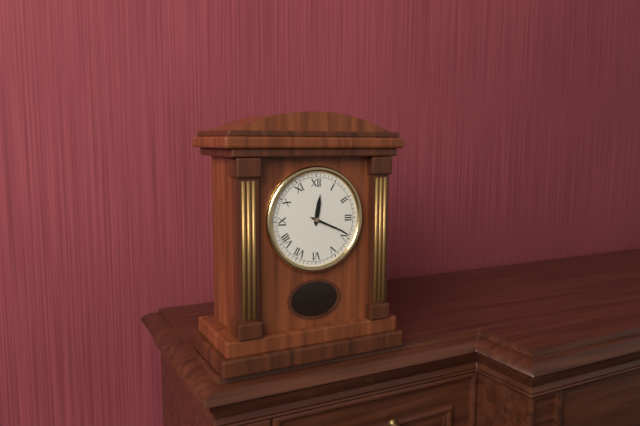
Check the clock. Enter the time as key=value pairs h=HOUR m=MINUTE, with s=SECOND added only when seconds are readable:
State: h=12 m=19
